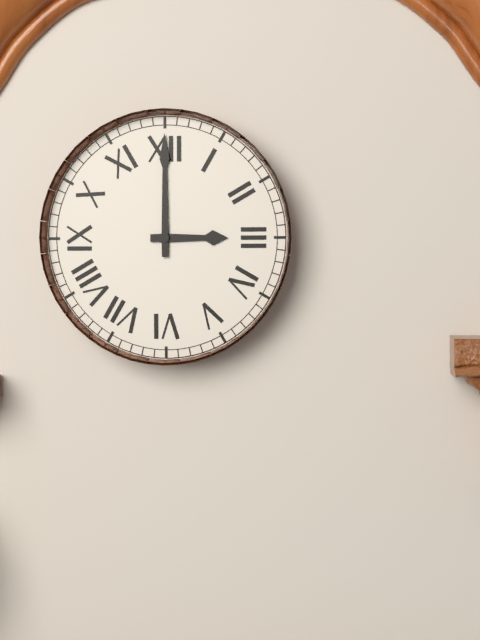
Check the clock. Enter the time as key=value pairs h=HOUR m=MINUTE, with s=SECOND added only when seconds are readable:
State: h=3 m=0
